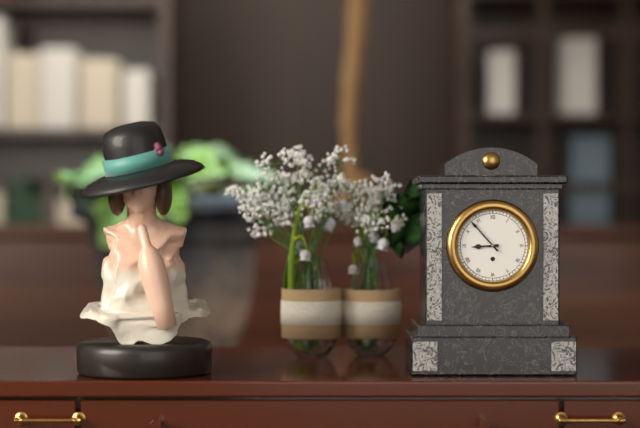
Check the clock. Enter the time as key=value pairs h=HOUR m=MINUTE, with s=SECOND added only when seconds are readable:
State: h=8 m=53
